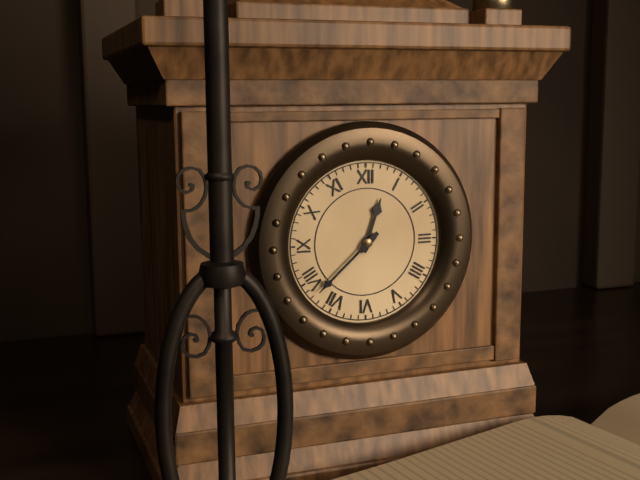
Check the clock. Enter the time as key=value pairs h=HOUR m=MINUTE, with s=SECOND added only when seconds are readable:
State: h=12 m=38
